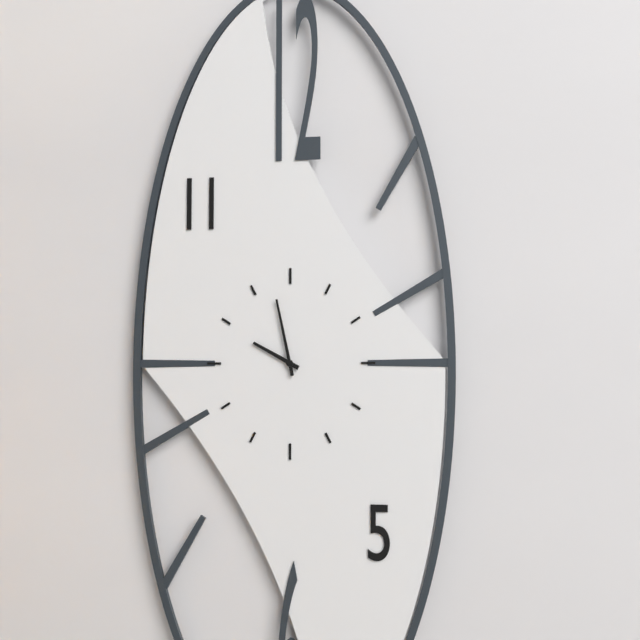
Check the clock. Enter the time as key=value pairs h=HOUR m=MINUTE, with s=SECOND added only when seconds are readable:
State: h=9 m=58
